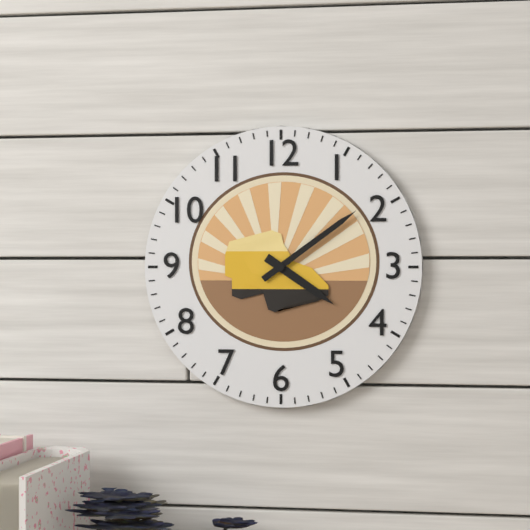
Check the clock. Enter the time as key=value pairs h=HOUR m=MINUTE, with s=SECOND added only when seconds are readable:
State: h=4 m=9
